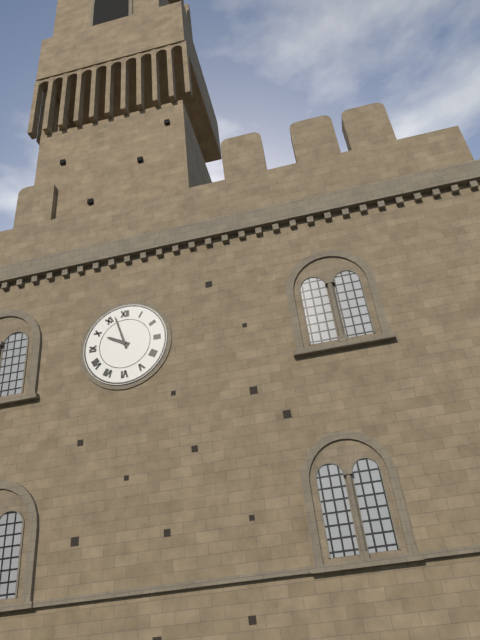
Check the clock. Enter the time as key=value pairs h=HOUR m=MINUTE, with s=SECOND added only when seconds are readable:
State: h=9 m=57
